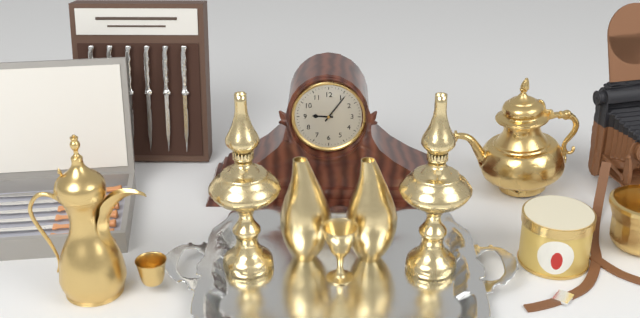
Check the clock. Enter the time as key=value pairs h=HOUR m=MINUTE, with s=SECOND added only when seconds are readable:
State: h=9 m=6
